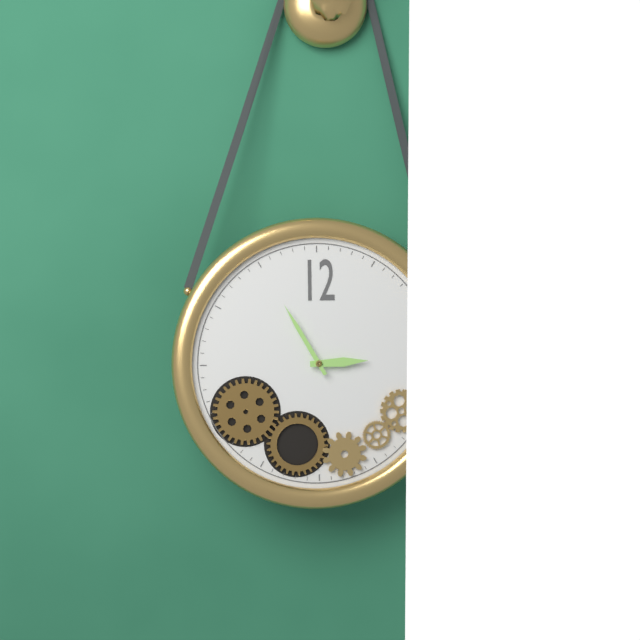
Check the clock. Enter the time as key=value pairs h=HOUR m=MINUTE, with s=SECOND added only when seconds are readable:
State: h=2 m=55
